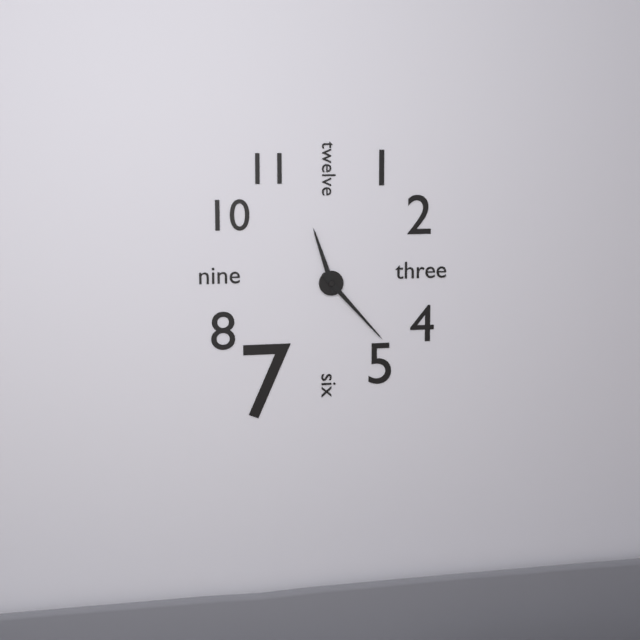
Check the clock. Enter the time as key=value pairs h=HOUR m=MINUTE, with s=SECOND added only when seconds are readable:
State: h=11 m=23
